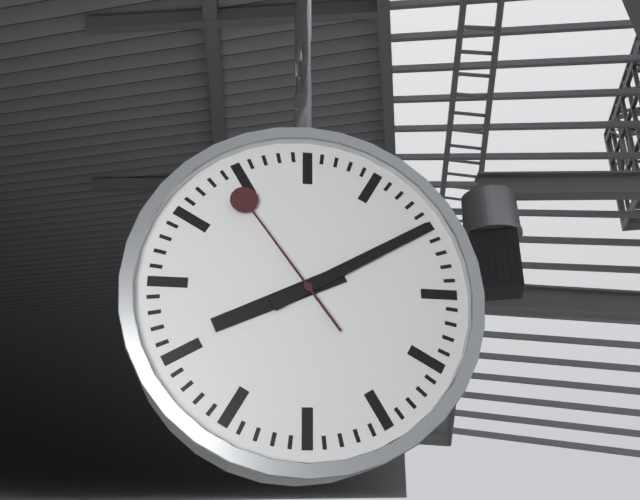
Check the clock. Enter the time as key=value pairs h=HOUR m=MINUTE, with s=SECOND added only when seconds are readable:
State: h=8 m=10 s=54
